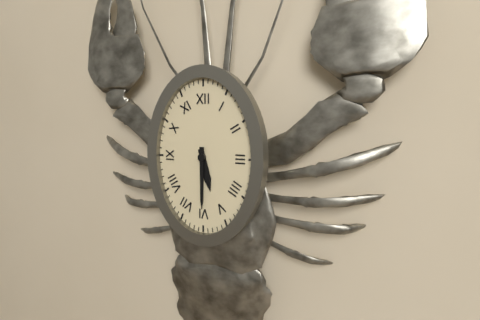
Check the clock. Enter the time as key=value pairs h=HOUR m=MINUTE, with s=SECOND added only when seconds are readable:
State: h=5 m=30
